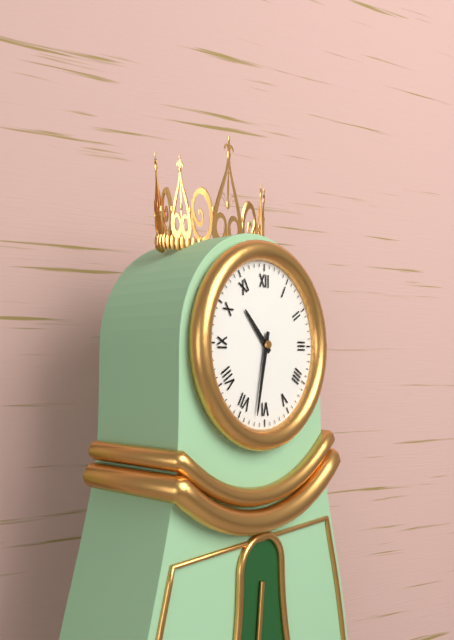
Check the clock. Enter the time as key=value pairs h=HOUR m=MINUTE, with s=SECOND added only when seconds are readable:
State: h=10 m=32
